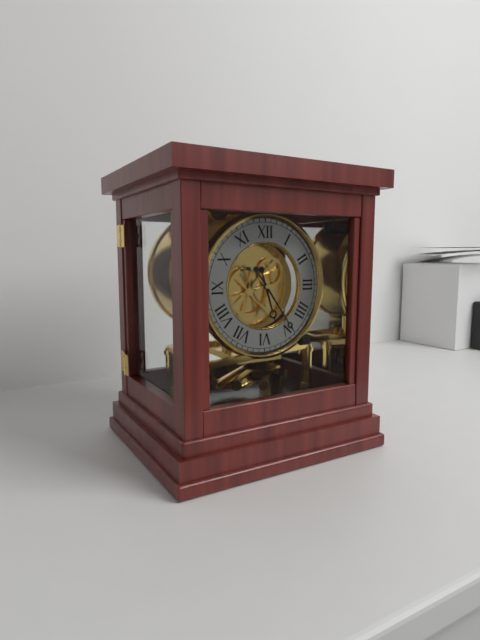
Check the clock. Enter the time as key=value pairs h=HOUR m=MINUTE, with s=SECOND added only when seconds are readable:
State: h=5 m=24
